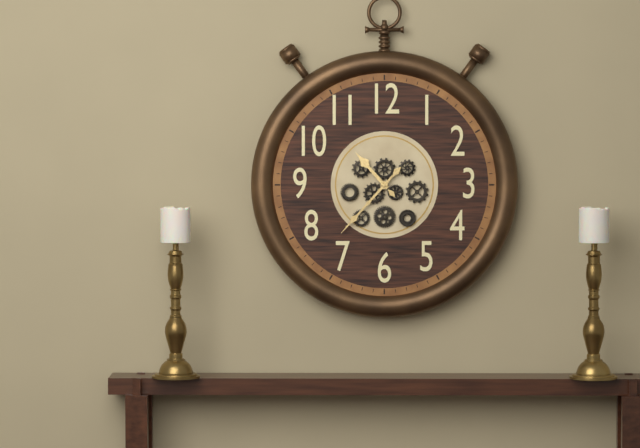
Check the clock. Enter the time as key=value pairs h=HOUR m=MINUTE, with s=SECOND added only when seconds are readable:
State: h=10 m=37
